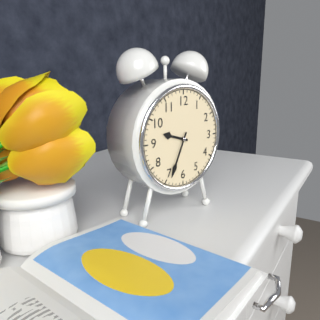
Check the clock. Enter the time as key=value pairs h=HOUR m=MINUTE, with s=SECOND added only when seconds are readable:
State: h=9 m=34
